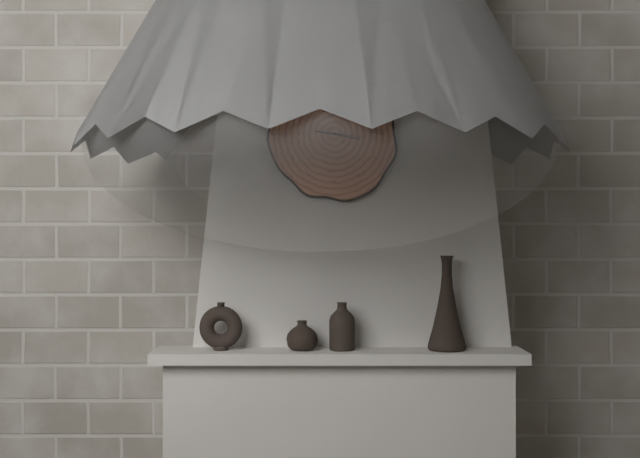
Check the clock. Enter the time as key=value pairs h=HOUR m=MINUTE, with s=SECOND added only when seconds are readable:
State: h=9 m=17
